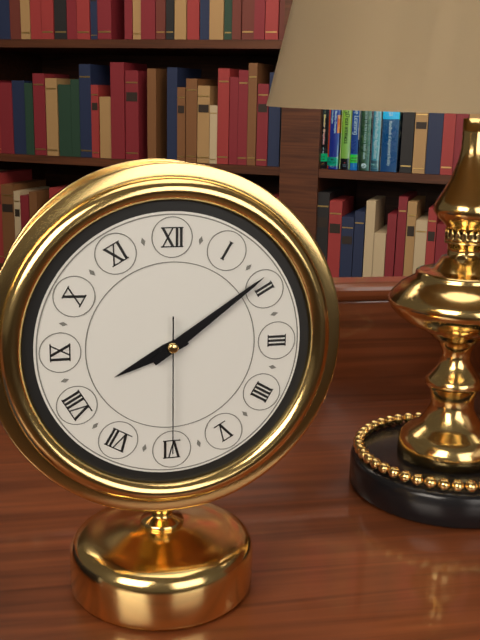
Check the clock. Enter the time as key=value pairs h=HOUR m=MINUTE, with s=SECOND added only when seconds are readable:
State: h=8 m=9 s=30
